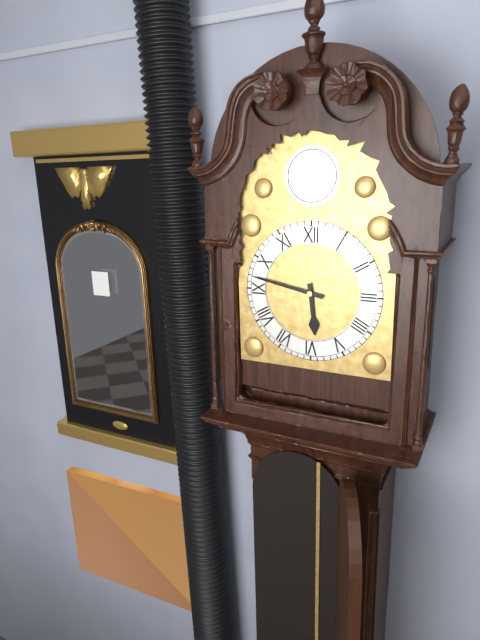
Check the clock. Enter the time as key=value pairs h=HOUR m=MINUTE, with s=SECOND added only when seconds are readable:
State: h=5 m=47
